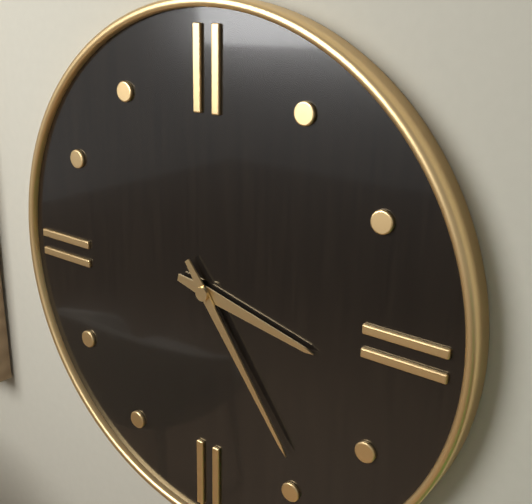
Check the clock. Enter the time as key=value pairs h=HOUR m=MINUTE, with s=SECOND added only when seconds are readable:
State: h=3 m=24
